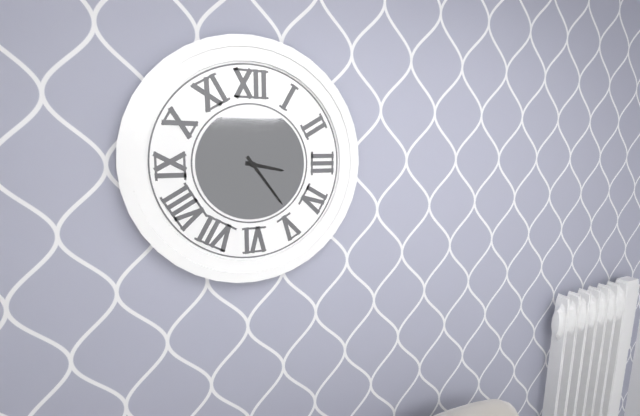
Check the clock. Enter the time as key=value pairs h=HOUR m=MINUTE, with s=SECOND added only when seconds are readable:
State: h=3 m=24
